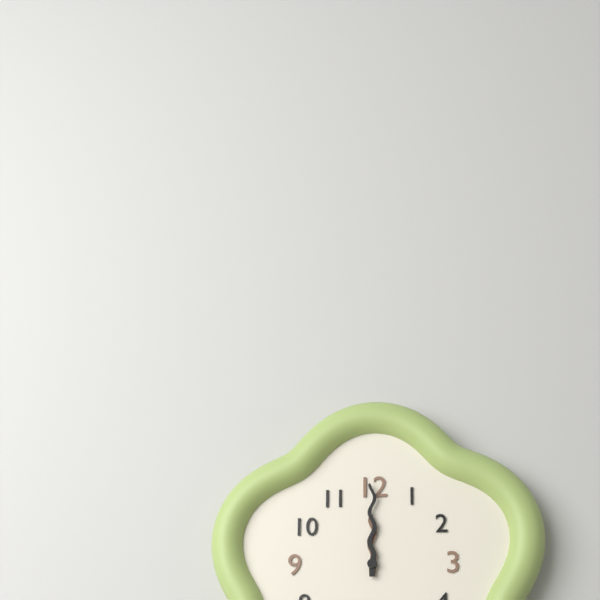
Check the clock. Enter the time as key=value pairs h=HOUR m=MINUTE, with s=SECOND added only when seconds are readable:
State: h=12 m=0
